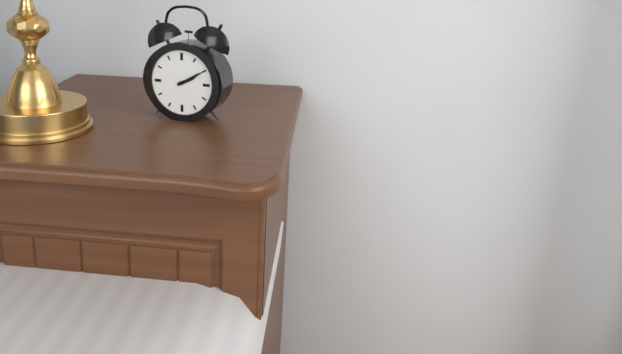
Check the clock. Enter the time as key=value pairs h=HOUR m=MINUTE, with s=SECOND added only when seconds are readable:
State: h=2 m=10
